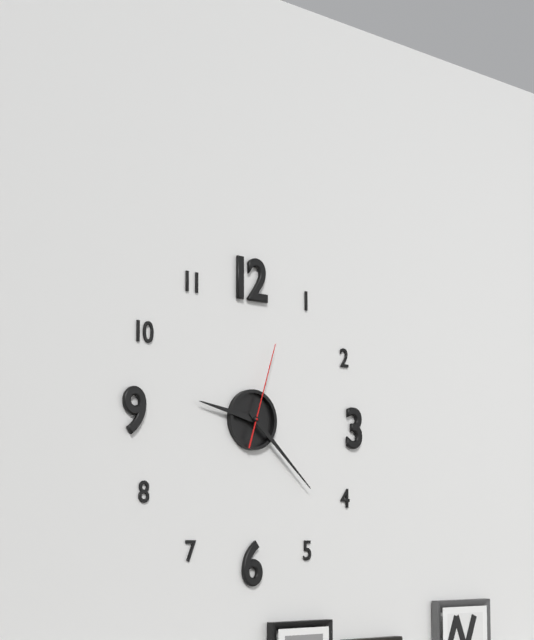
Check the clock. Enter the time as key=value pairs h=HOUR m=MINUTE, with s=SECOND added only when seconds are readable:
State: h=9 m=22 s=3
